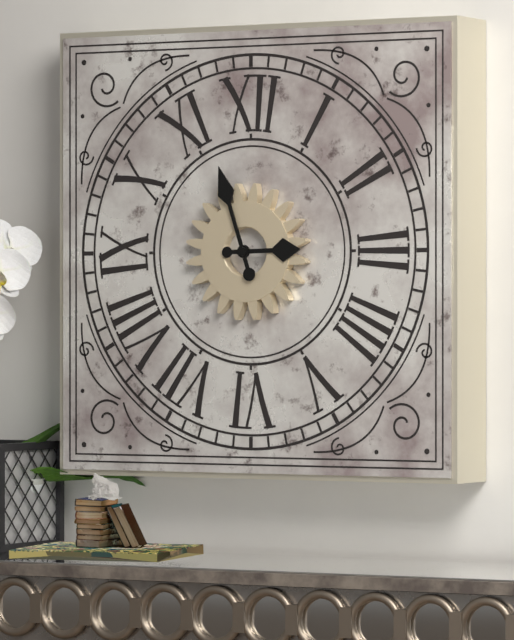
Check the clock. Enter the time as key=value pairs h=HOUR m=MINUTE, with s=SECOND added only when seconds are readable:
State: h=2 m=57
